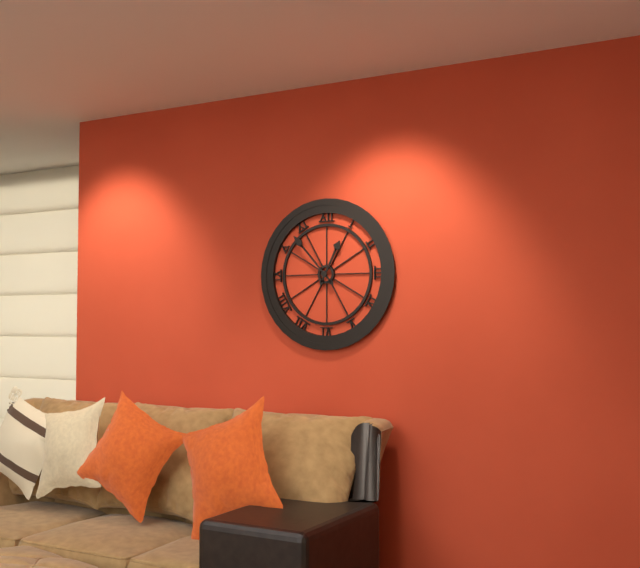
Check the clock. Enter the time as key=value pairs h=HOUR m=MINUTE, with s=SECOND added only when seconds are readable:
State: h=12 m=53
